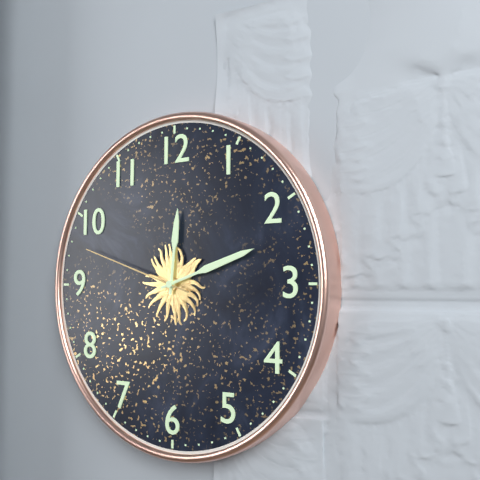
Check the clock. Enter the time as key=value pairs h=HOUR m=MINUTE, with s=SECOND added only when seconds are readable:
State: h=12 m=12 s=48
